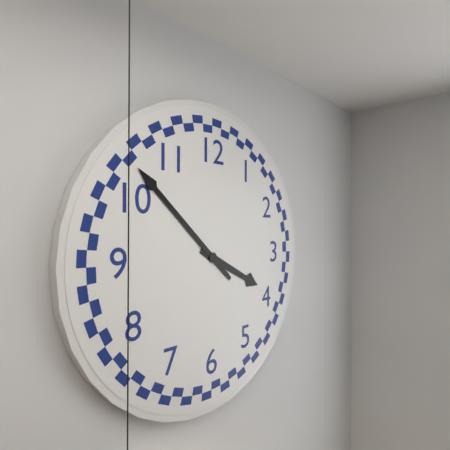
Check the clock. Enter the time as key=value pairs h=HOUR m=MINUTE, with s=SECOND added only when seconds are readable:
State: h=3 m=52
